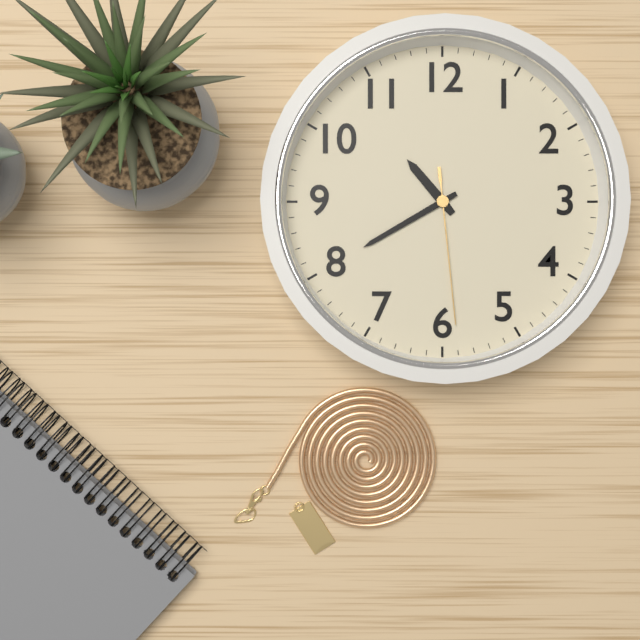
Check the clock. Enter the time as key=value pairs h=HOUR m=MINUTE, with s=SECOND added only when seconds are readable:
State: h=10 m=40 s=29
